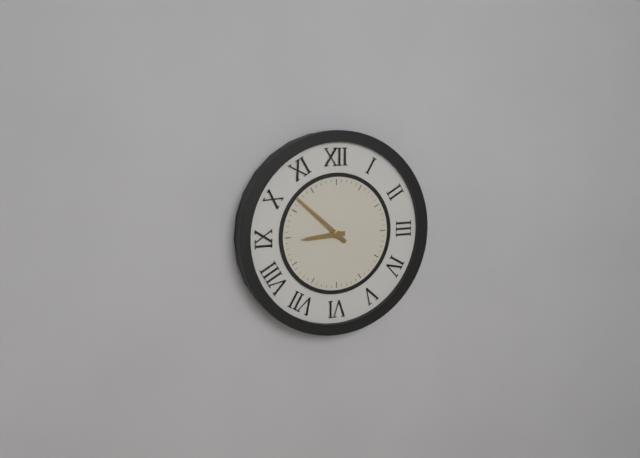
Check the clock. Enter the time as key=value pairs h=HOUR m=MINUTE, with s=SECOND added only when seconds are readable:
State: h=8 m=52
